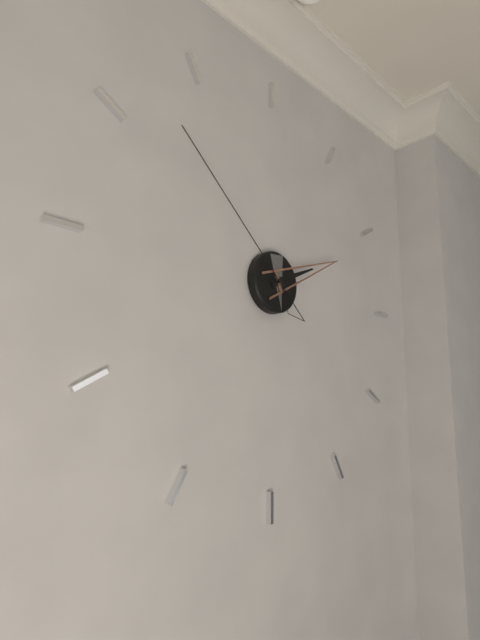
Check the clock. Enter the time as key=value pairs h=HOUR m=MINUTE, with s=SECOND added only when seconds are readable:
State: h=2 m=11 s=52
